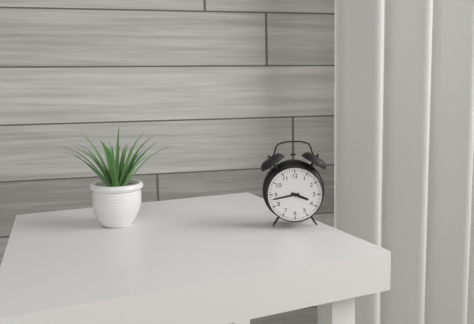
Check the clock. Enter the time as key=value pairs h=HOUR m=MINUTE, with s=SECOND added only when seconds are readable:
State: h=3 m=43
